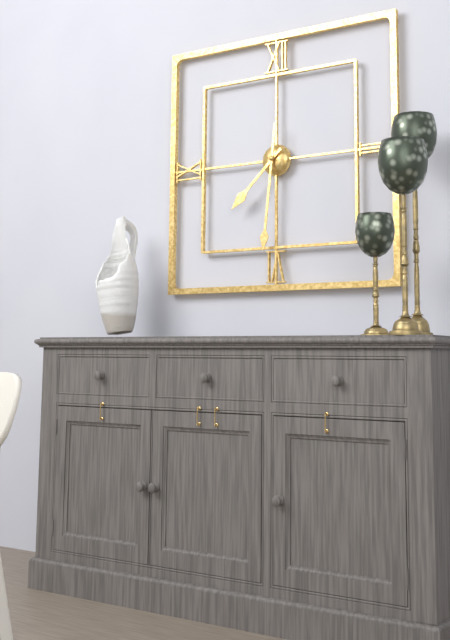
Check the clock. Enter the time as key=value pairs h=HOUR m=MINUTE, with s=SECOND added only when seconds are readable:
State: h=7 m=31
